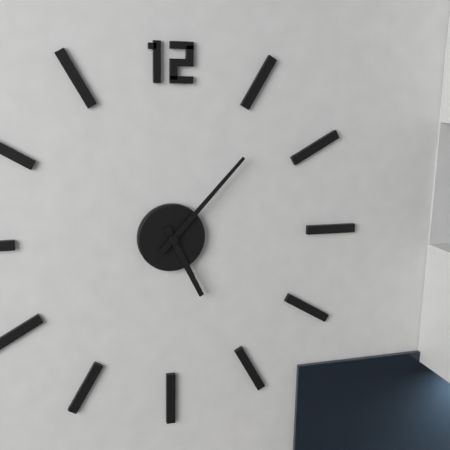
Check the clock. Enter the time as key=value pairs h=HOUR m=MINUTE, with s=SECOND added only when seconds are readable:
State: h=5 m=7
